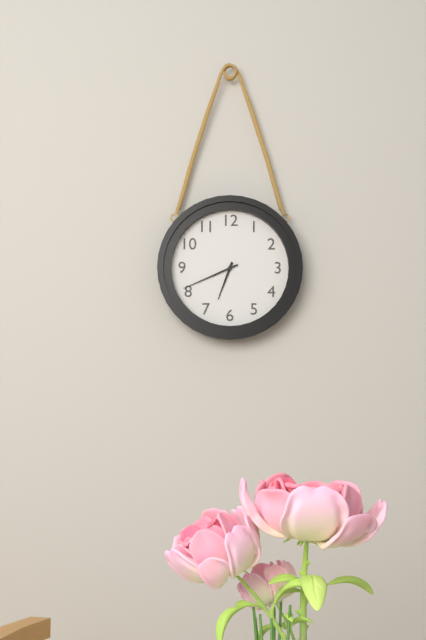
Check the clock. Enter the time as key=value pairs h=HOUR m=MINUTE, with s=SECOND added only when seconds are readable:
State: h=6 m=41
